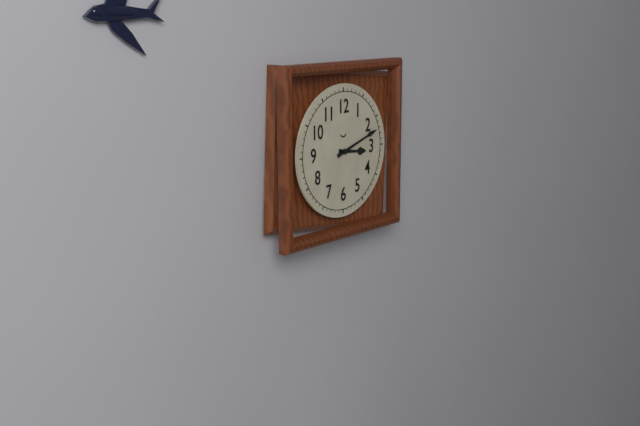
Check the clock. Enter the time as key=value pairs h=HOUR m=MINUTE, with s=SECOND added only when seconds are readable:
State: h=3 m=12
